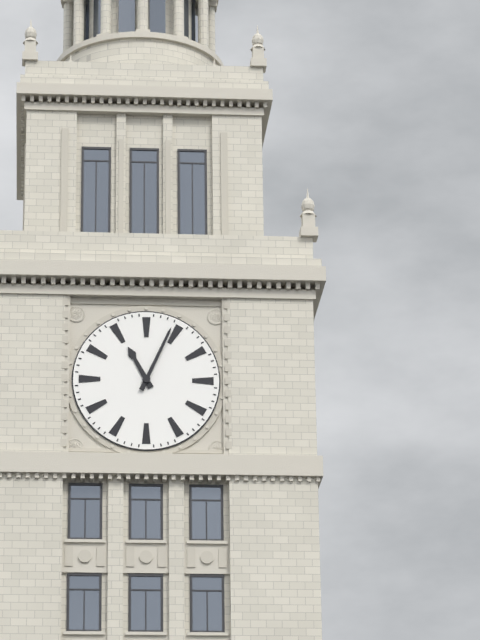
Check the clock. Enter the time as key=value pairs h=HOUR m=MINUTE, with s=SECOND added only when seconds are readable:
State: h=11 m=4
